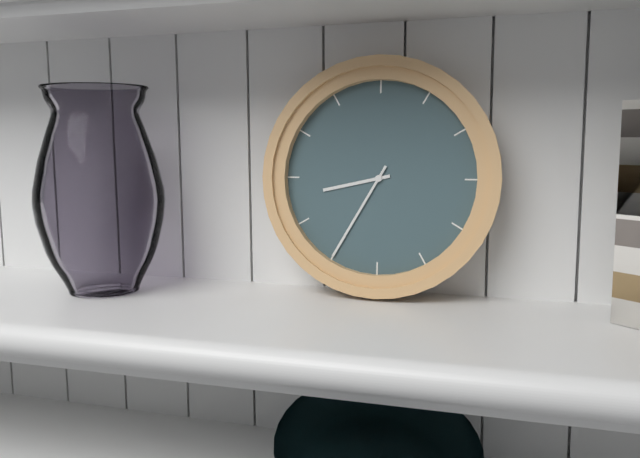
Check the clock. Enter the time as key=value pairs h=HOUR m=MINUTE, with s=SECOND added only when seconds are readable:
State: h=8 m=35
